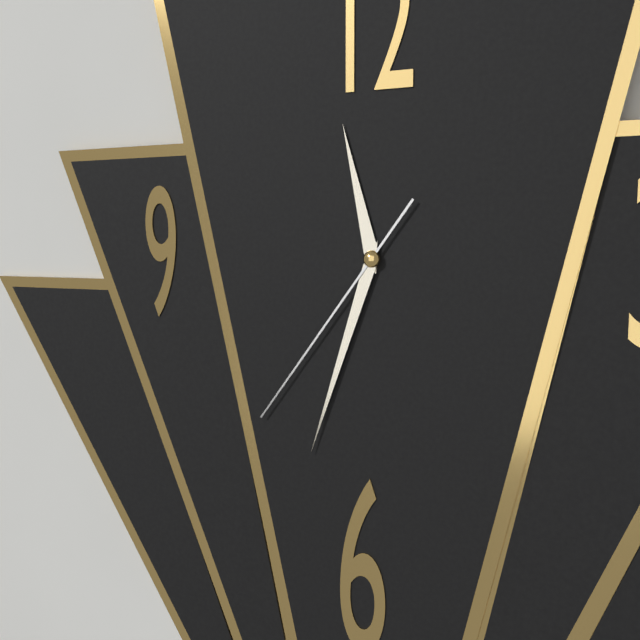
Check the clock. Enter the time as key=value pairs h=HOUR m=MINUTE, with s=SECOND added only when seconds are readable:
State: h=11 m=33 s=36
